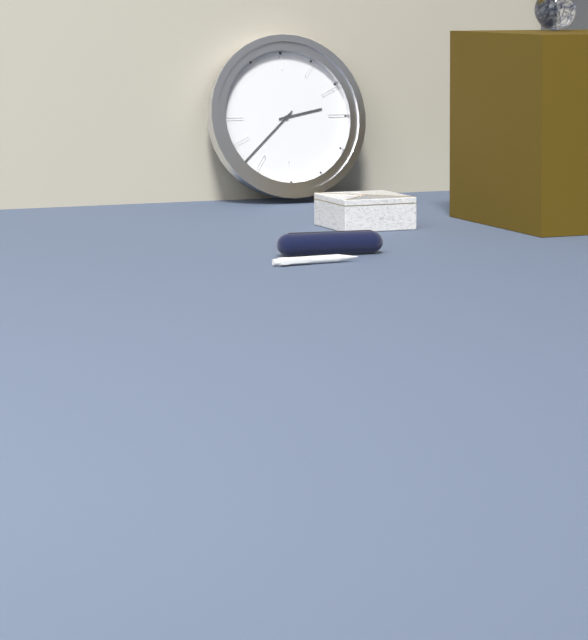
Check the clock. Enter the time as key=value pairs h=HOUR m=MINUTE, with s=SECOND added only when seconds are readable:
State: h=2 m=38
